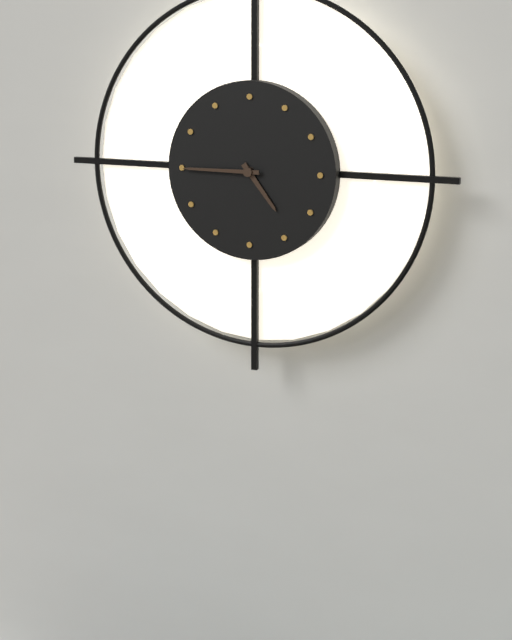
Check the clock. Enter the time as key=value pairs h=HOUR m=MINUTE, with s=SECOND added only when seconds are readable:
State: h=4 m=45
